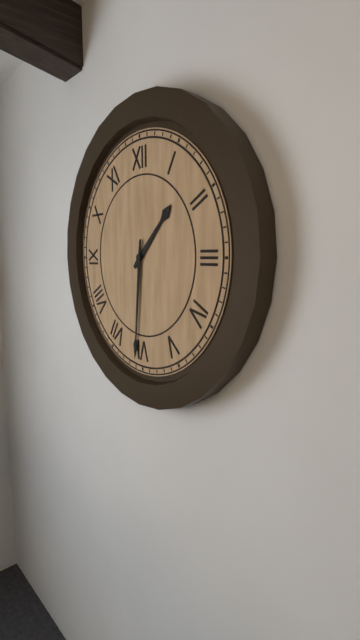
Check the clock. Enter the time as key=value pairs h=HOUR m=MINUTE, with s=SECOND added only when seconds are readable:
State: h=1 m=31
